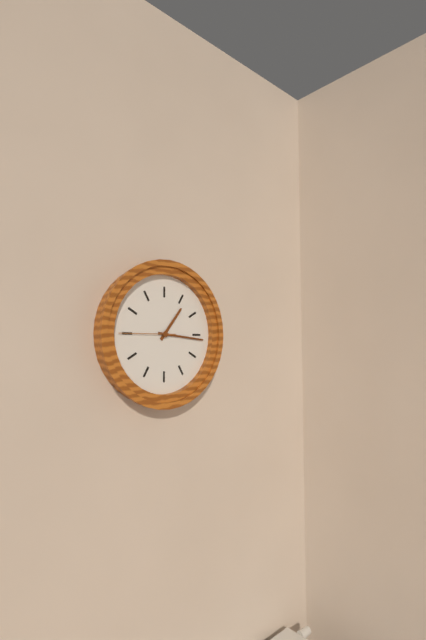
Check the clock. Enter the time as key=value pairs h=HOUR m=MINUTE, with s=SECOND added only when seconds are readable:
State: h=1 m=16 s=45
